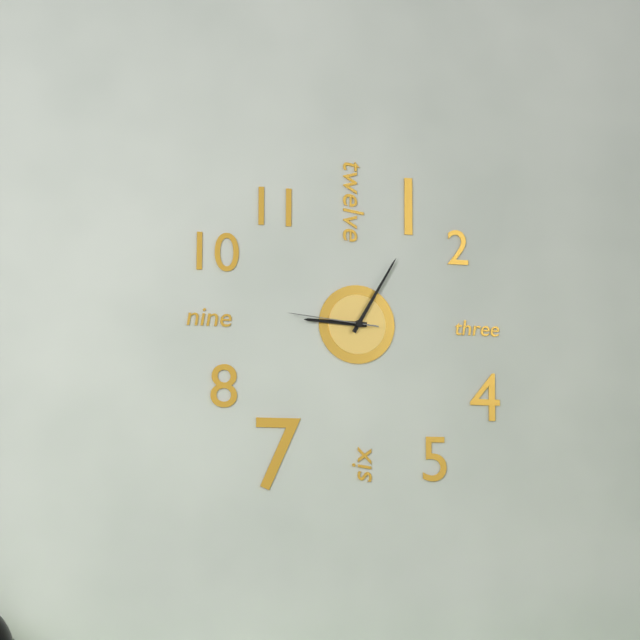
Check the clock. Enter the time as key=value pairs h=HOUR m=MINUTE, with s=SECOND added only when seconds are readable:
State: h=9 m=5 s=46
